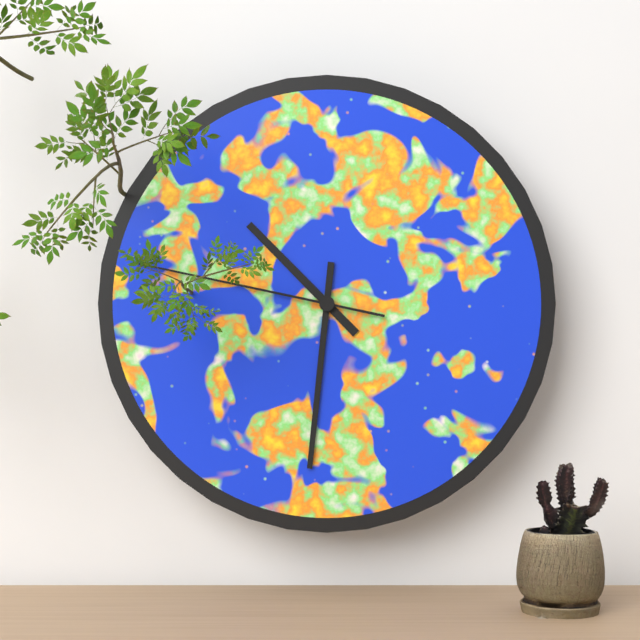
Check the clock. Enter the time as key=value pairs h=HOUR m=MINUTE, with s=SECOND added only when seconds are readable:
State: h=10 m=31 s=47
